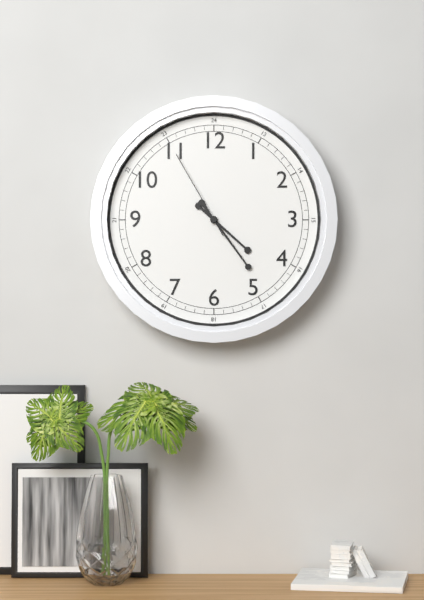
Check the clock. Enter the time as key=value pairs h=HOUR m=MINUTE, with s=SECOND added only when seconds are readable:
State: h=4 m=24 s=55
